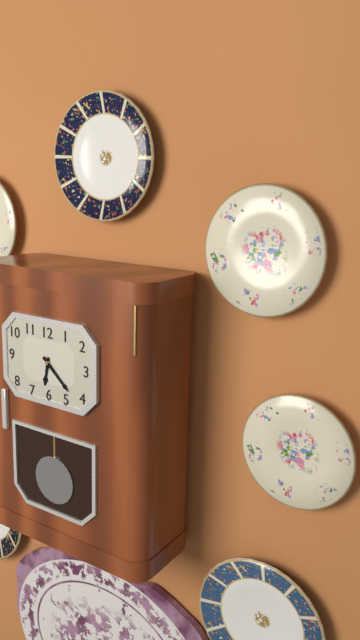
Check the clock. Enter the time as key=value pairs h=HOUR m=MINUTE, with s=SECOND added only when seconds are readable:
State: h=6 m=22
